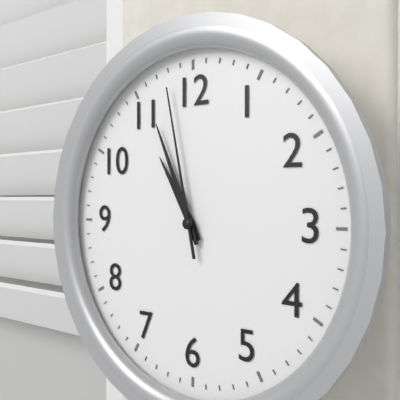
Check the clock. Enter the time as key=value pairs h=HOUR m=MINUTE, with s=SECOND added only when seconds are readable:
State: h=10 m=56 s=58
